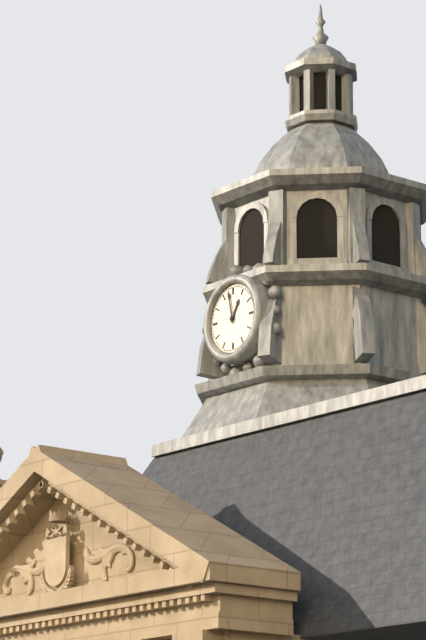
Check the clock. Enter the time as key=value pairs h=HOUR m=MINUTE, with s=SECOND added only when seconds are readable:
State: h=12 m=58
